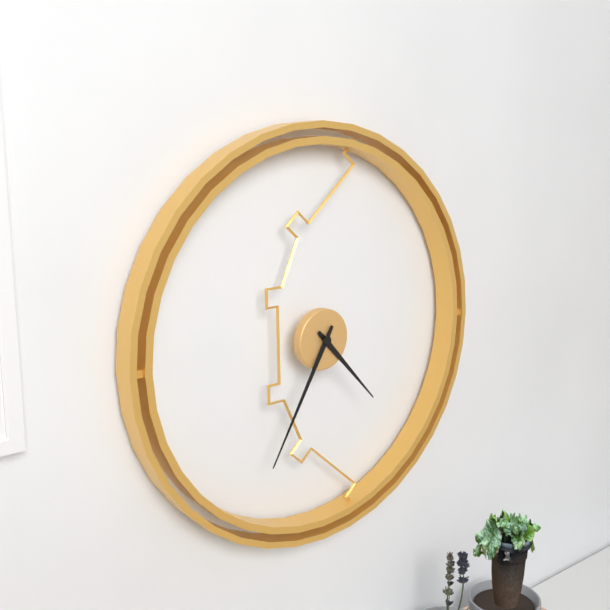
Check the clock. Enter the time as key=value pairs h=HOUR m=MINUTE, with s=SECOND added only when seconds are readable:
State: h=4 m=35
